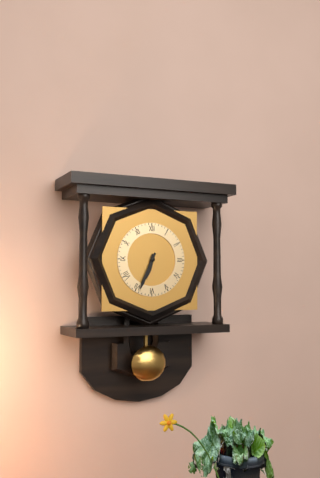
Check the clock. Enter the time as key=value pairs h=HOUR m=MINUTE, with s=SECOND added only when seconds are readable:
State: h=6 m=34
